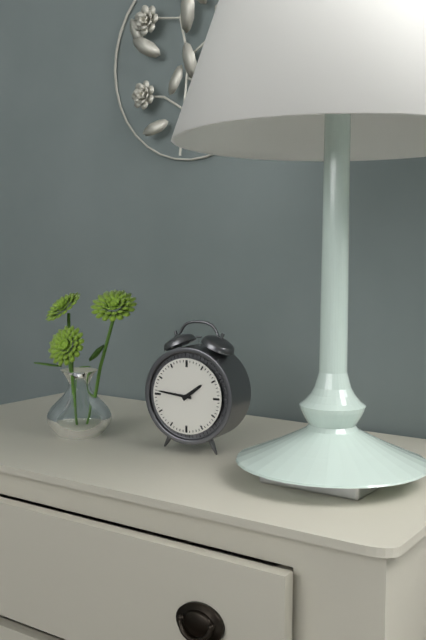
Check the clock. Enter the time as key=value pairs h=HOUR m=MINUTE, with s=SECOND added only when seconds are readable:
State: h=1 m=46
